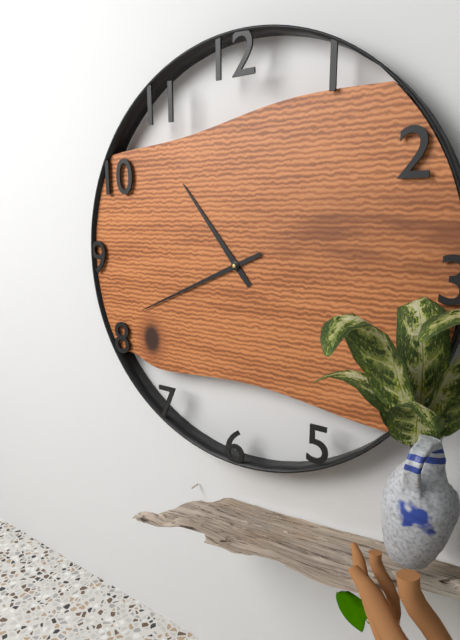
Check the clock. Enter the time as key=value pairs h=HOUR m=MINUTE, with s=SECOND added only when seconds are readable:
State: h=10 m=41
